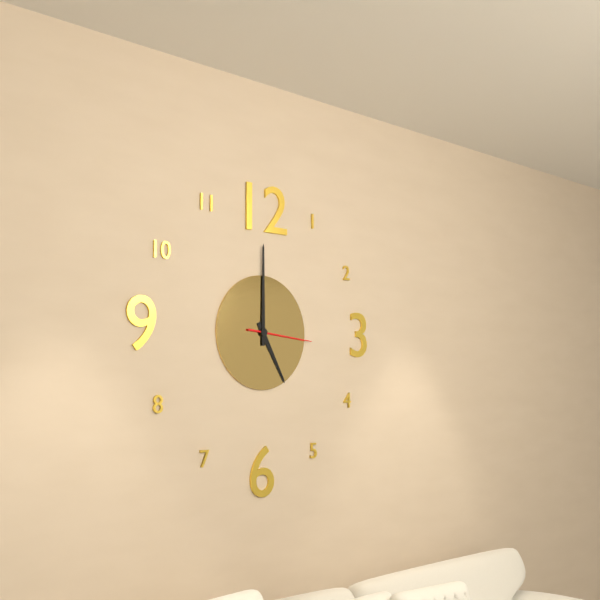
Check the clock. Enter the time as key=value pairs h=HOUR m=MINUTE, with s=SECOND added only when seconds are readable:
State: h=5 m=0 s=16
